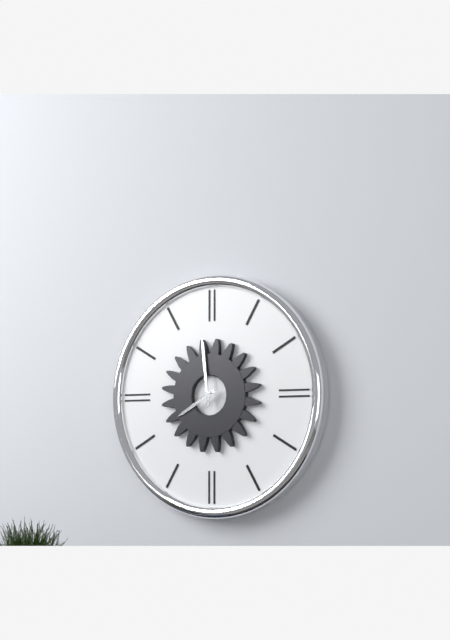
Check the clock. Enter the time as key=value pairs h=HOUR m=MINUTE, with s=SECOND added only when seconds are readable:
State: h=7 m=59
